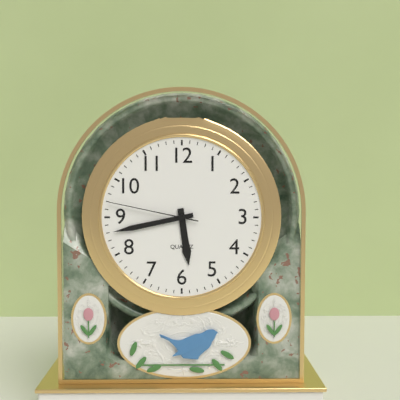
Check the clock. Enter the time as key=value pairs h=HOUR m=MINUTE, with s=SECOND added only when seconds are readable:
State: h=5 m=43 s=47
